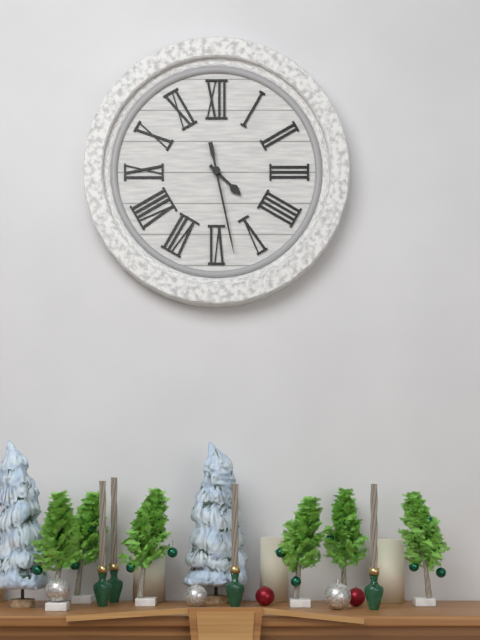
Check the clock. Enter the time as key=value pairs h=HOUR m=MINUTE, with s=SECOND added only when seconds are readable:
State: h=4 m=28
